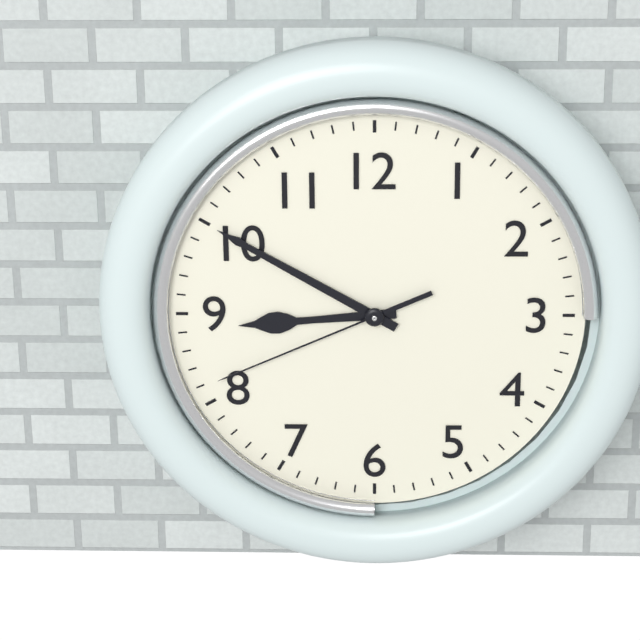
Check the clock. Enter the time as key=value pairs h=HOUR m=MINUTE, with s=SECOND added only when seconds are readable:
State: h=8 m=50 s=41
